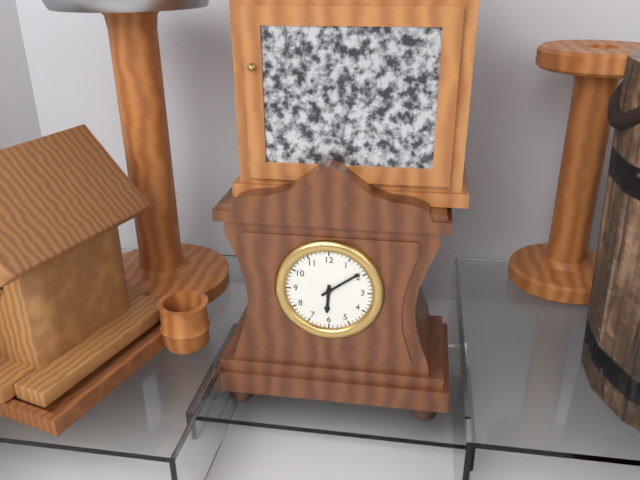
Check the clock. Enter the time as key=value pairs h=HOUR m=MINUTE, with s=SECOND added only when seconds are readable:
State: h=6 m=9
